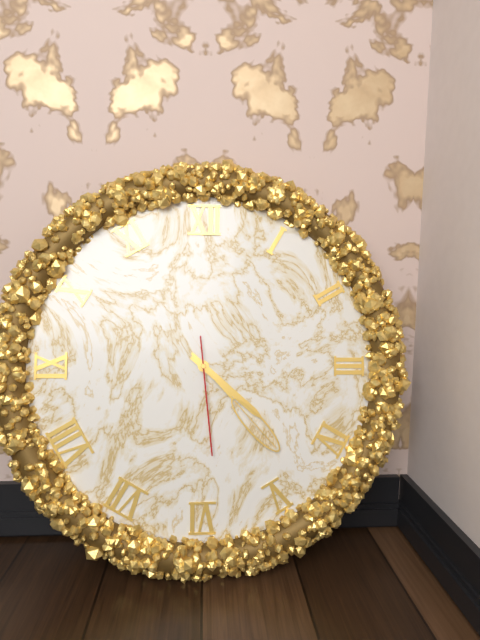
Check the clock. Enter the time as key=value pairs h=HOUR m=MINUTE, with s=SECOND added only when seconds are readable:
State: h=4 m=23 s=29
